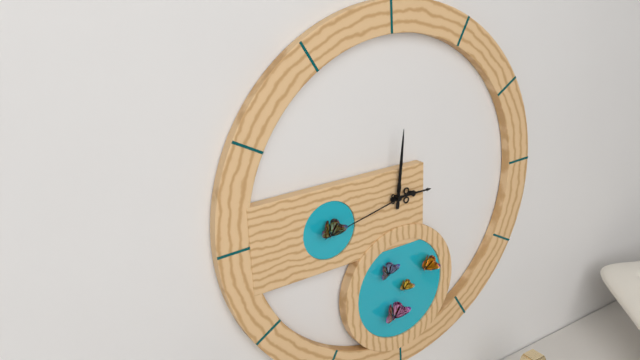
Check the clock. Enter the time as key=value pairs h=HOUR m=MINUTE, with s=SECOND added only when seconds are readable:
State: h=3 m=1 s=43
